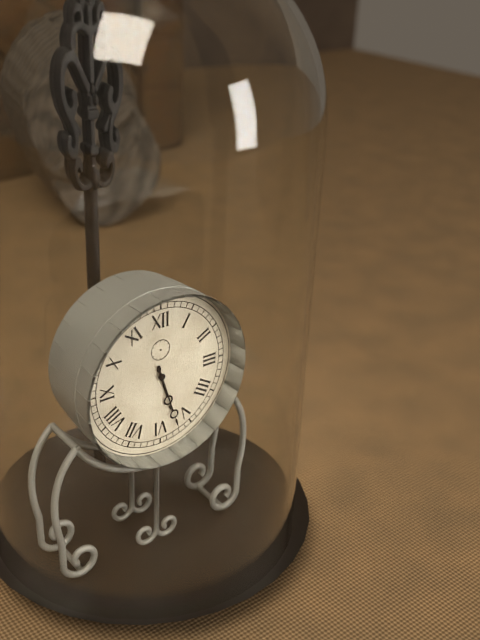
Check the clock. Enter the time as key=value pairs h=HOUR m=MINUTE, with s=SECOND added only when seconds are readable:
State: h=5 m=27
